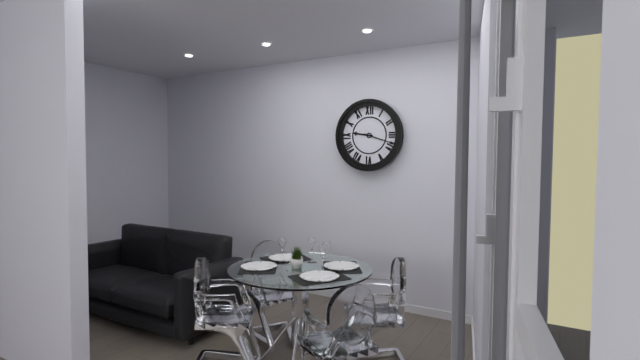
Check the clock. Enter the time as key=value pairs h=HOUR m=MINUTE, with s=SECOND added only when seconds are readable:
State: h=9 m=18
